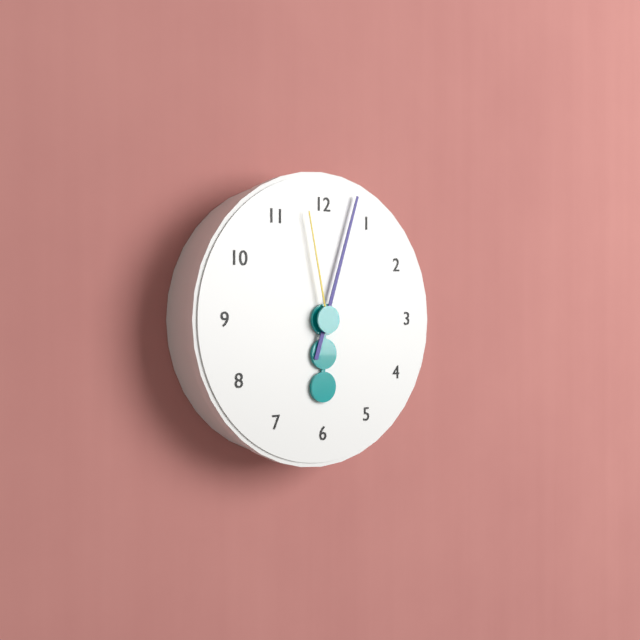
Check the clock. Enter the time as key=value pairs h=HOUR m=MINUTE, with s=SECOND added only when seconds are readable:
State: h=6 m=3 s=58
